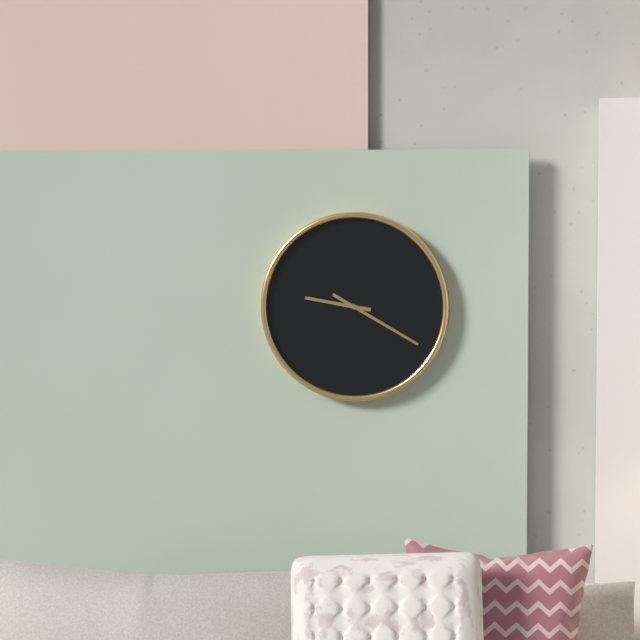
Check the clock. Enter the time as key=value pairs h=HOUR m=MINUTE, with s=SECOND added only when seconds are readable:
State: h=9 m=20
